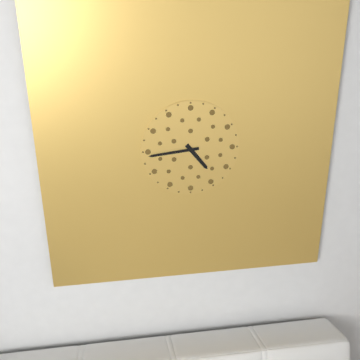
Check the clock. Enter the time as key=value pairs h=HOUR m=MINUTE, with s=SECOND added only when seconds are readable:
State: h=4 m=44
